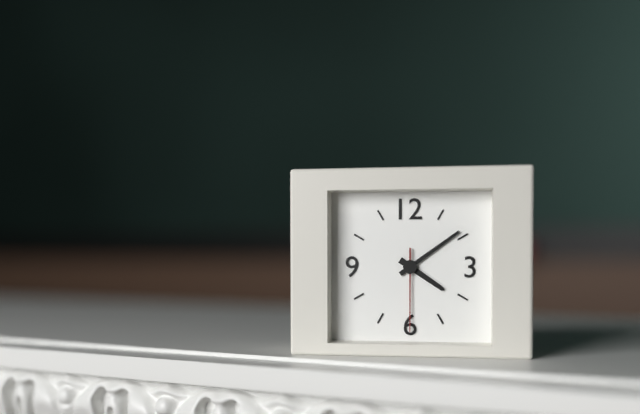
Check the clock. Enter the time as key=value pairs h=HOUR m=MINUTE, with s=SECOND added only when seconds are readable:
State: h=4 m=9 s=30
